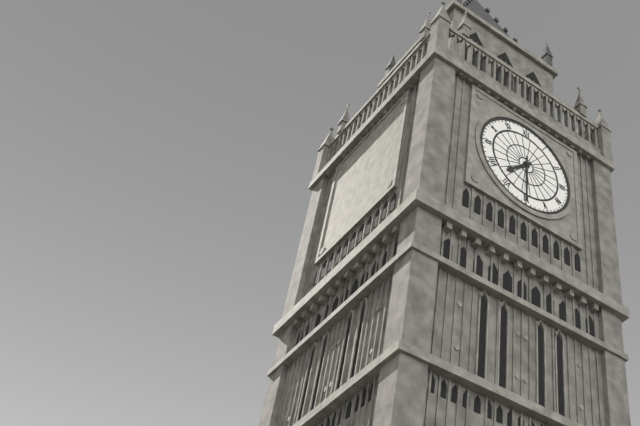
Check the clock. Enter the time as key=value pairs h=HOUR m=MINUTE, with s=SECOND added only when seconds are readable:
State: h=7 m=30
